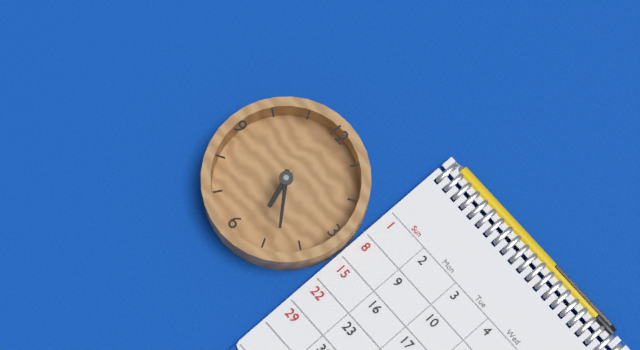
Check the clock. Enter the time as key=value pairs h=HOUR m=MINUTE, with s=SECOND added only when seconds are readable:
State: h=5 m=23
